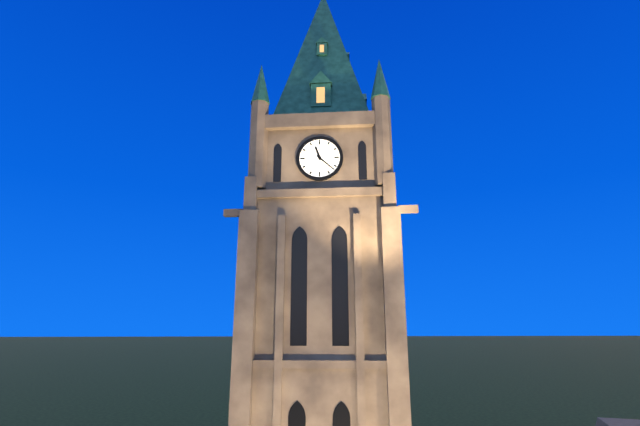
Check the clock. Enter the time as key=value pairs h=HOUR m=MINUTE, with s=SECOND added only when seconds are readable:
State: h=11 m=22
